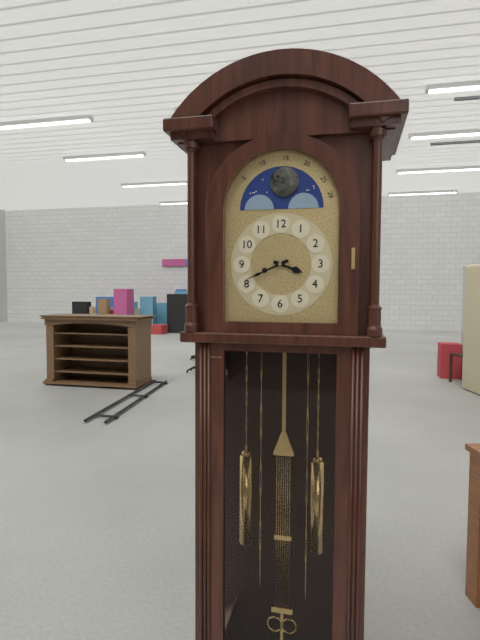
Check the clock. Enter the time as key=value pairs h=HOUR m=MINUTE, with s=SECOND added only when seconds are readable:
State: h=3 m=41
